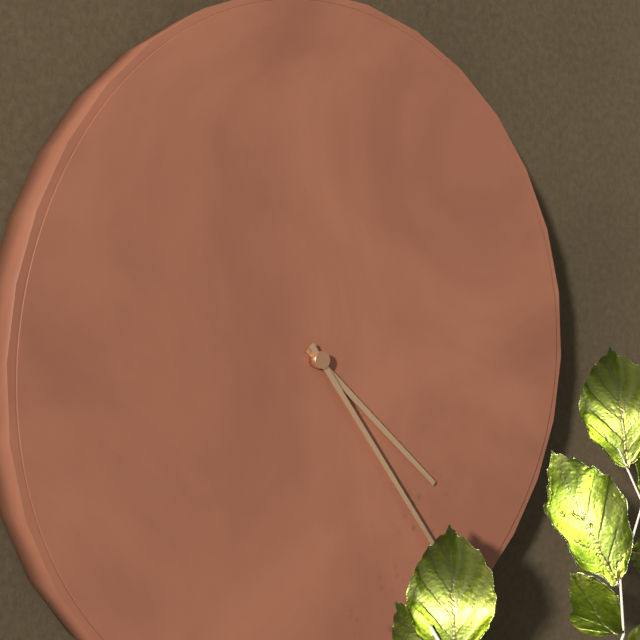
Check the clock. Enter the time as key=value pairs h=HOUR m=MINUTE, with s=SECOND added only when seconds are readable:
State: h=4 m=24
